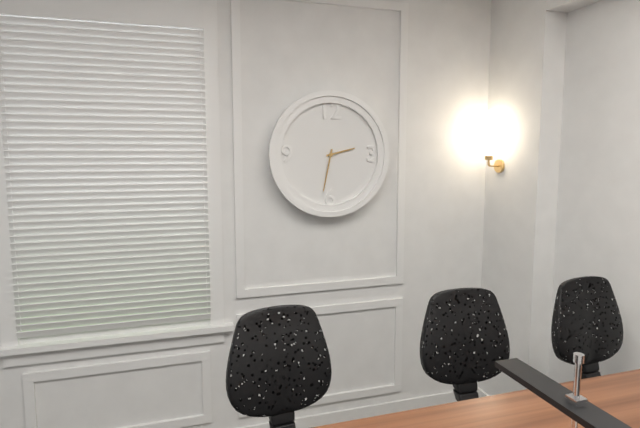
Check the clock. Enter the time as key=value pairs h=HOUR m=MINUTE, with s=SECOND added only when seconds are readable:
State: h=2 m=32
